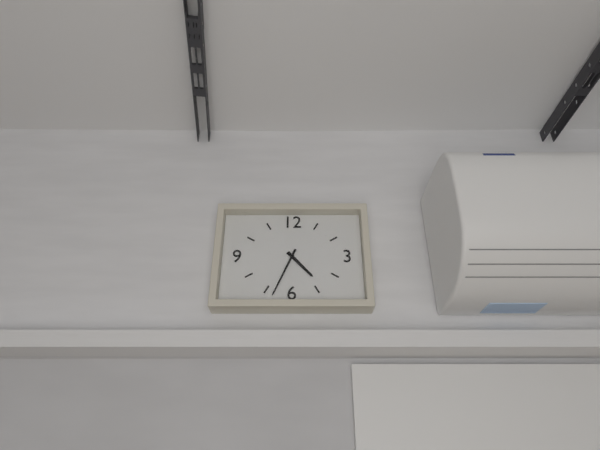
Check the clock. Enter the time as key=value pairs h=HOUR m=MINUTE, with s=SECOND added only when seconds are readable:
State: h=4 m=34
